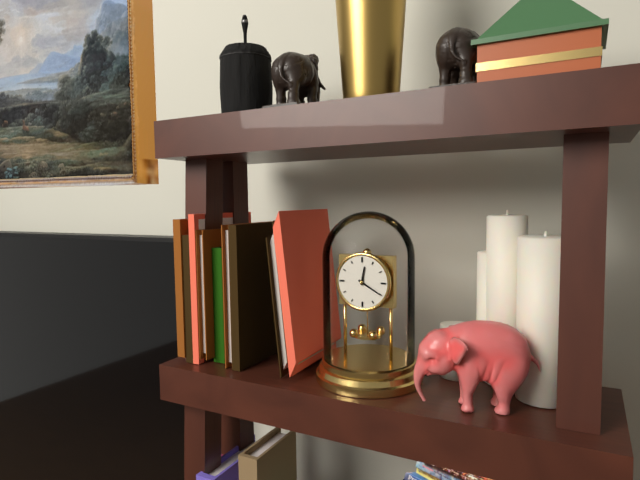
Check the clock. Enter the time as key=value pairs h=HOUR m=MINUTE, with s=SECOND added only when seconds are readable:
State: h=12 m=20
